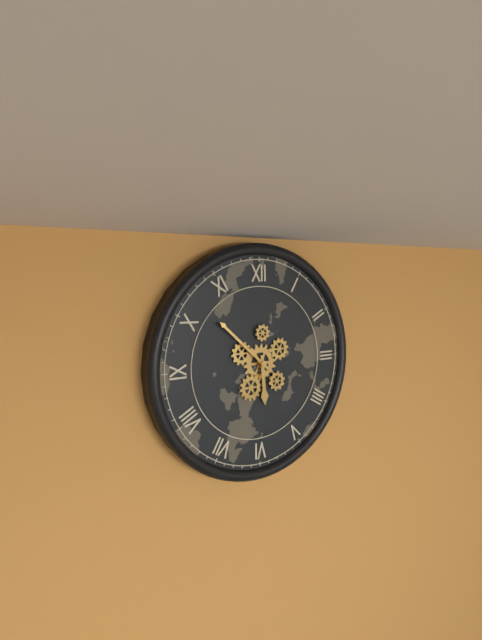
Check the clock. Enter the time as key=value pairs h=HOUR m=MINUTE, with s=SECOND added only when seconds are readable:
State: h=5 m=52
